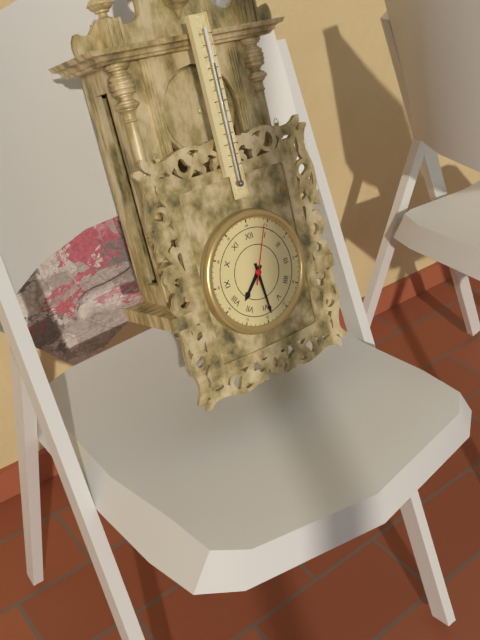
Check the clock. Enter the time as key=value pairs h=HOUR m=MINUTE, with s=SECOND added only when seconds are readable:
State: h=7 m=29 s=4
